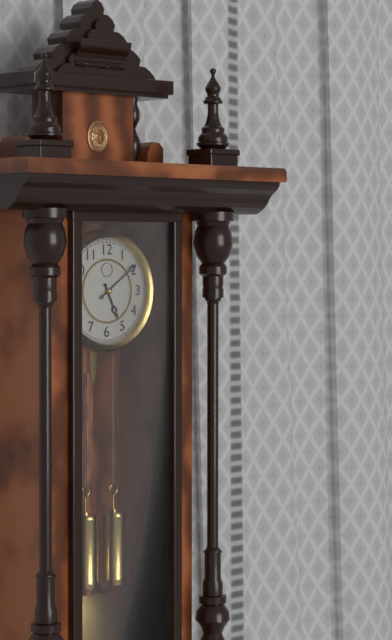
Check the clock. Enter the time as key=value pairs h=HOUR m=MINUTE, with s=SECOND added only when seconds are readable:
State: h=5 m=9
